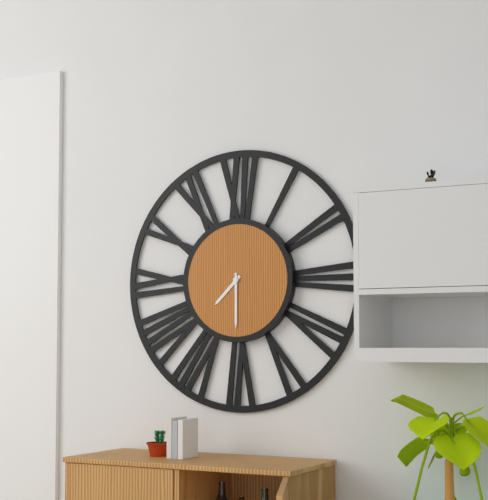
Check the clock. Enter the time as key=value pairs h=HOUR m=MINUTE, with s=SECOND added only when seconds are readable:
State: h=7 m=30
